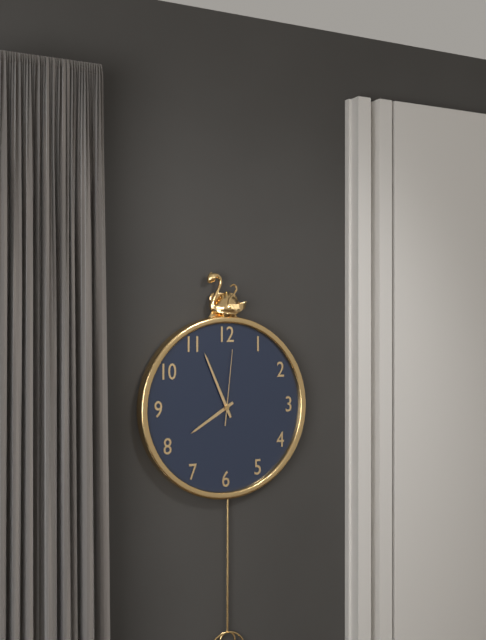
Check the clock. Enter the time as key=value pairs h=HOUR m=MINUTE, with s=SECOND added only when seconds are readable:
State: h=7 m=56 s=1
